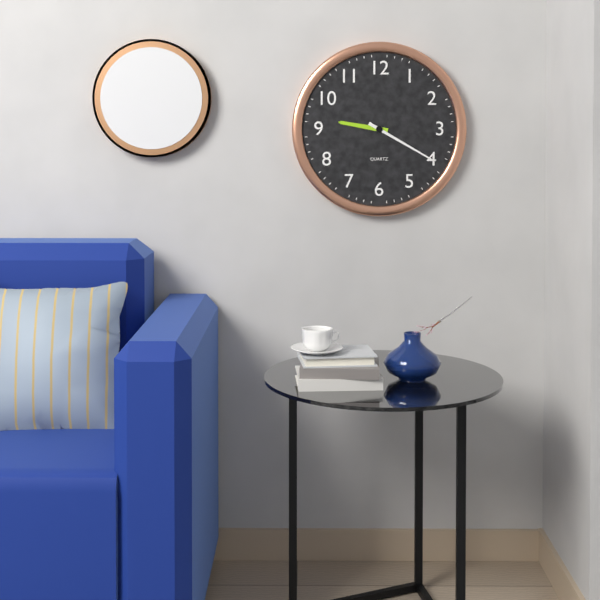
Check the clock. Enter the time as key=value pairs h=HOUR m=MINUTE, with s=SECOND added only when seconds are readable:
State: h=9 m=20
